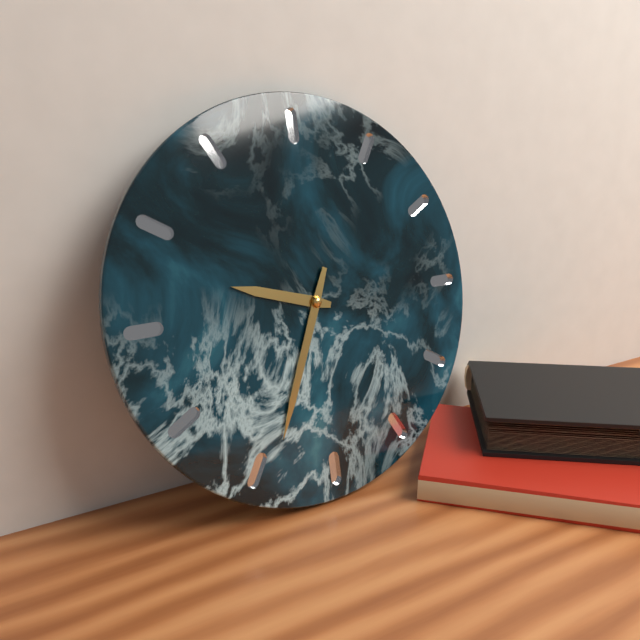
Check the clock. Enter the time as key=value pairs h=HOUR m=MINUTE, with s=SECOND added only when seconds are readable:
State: h=9 m=34
